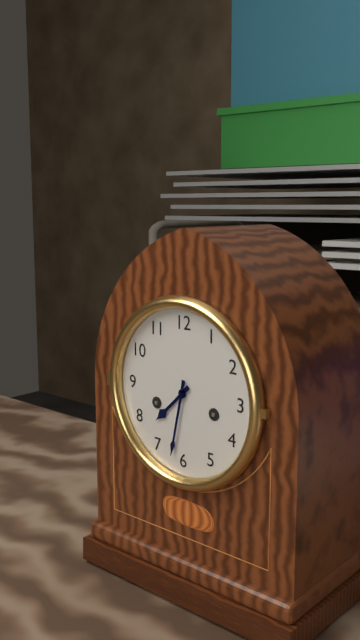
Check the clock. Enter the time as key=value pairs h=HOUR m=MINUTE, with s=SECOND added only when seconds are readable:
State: h=7 m=32
